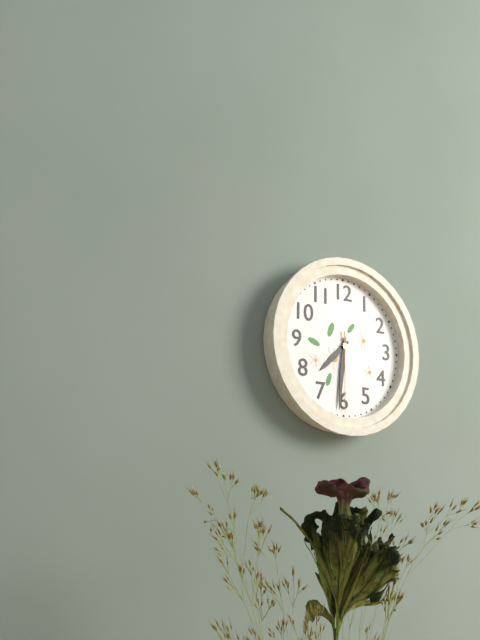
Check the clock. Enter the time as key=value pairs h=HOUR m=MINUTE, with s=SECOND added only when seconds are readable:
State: h=7 m=31 s=30
